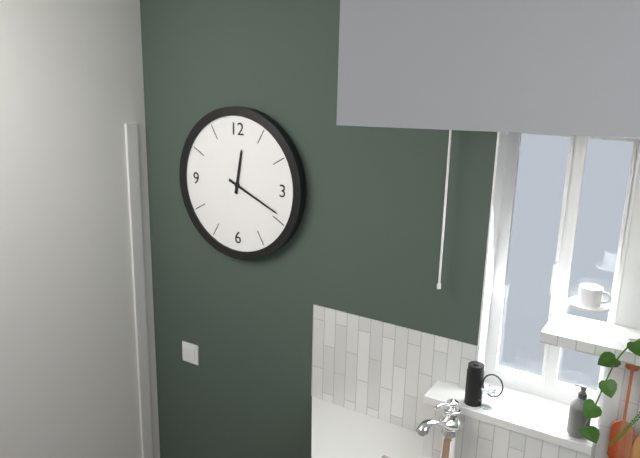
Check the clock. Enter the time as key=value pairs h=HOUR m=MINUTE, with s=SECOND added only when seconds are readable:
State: h=12 m=19
